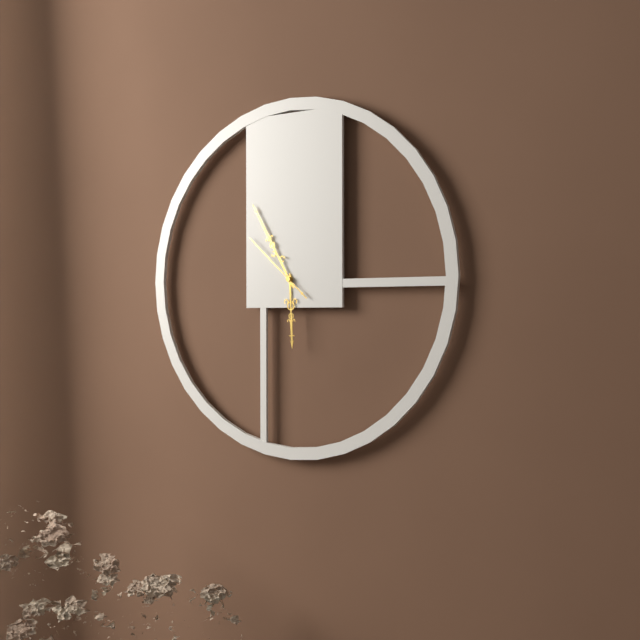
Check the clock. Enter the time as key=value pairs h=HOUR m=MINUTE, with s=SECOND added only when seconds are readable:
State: h=5 m=55 s=52
